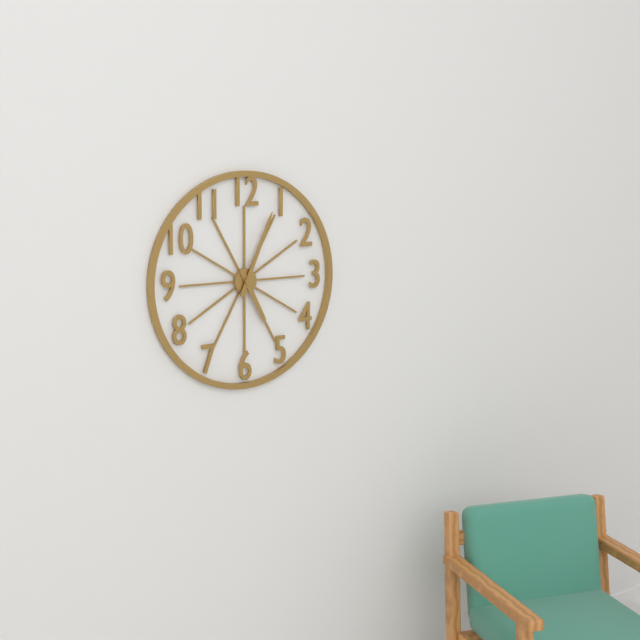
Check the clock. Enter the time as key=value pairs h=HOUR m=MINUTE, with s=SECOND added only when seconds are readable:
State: h=5 m=4
